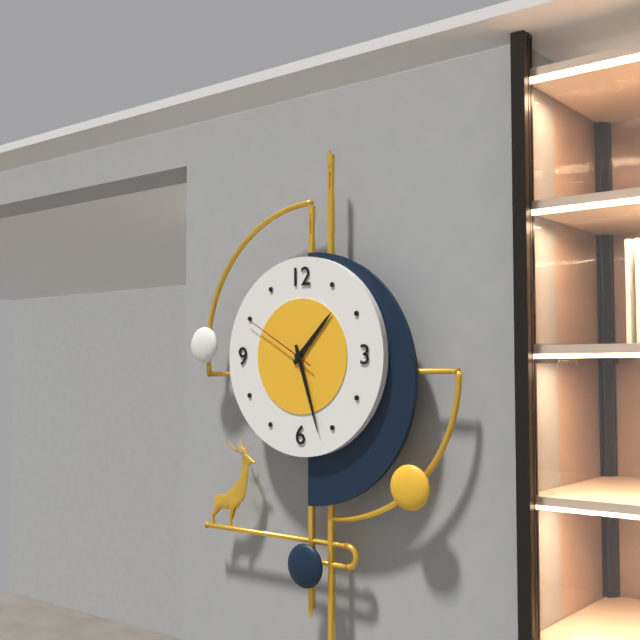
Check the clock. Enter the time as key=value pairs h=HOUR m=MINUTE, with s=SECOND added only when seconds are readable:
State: h=1 m=27 s=50
